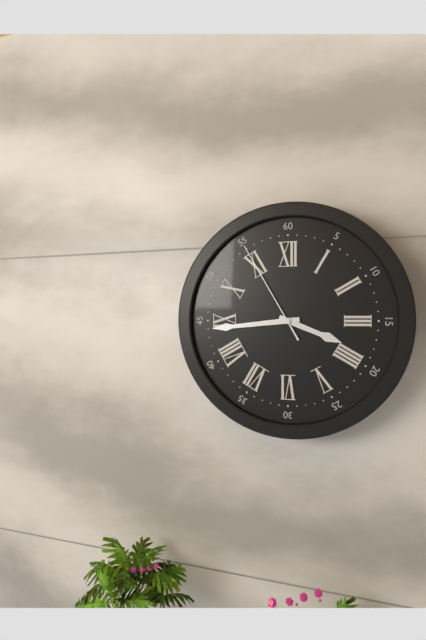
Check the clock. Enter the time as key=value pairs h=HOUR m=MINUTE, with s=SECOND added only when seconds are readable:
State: h=3 m=44 s=55
